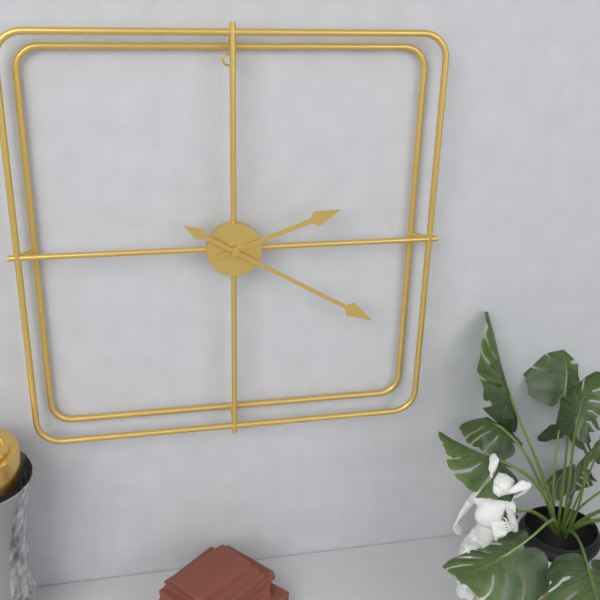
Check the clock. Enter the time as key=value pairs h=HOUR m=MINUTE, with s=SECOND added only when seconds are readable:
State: h=2 m=20
